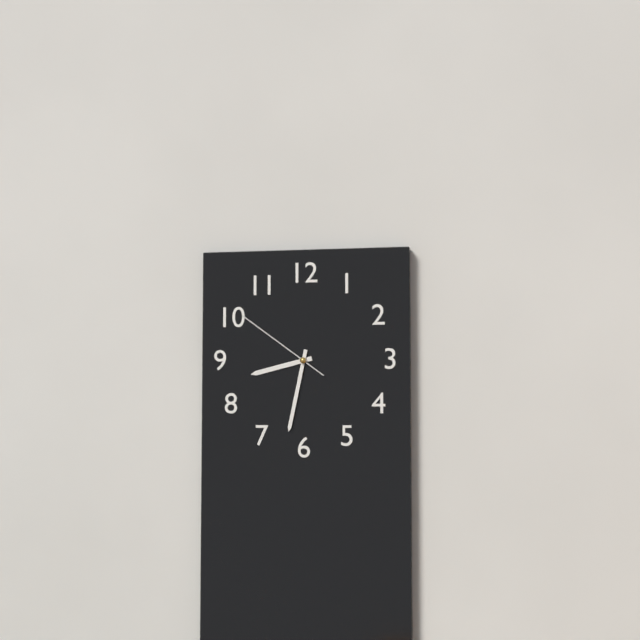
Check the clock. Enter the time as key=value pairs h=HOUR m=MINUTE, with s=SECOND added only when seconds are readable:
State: h=8 m=32 s=51
